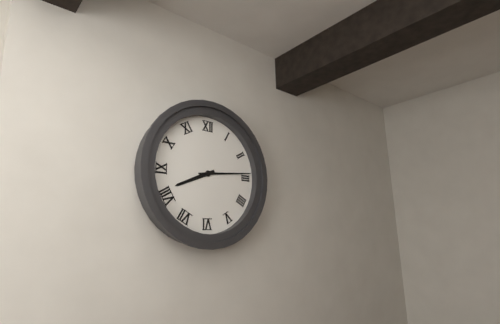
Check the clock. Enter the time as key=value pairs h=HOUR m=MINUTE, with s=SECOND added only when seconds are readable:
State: h=8 m=14
